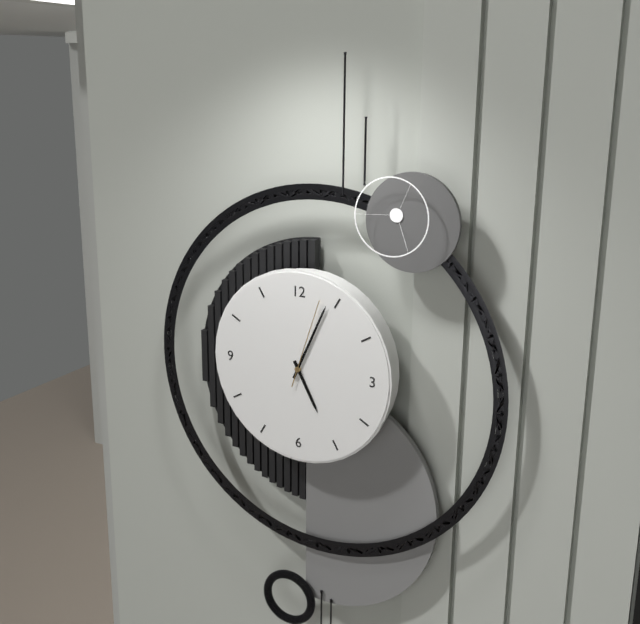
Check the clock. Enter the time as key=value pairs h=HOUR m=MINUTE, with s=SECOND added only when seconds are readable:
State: h=5 m=4 s=3
